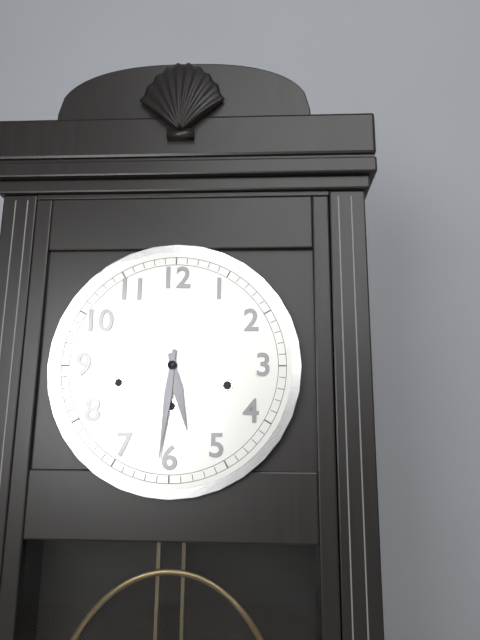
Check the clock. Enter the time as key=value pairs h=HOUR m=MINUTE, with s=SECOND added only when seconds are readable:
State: h=5 m=31
